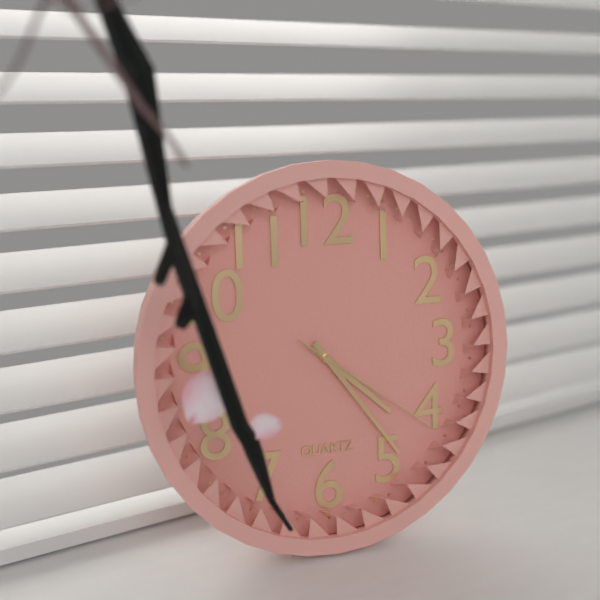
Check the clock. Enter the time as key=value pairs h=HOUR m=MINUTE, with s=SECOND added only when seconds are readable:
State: h=4 m=24 s=21
